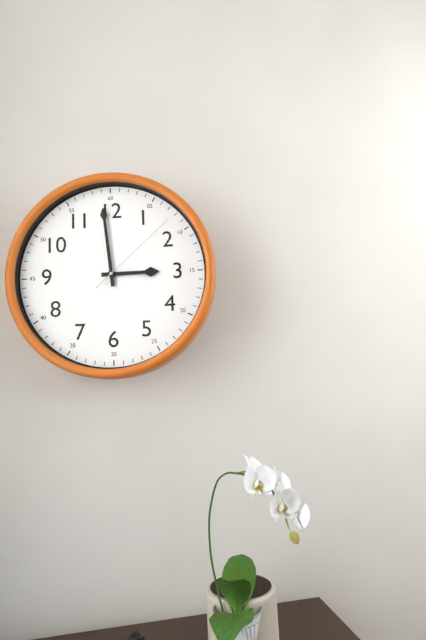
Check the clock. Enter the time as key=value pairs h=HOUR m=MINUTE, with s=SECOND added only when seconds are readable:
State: h=2 m=59 s=8
